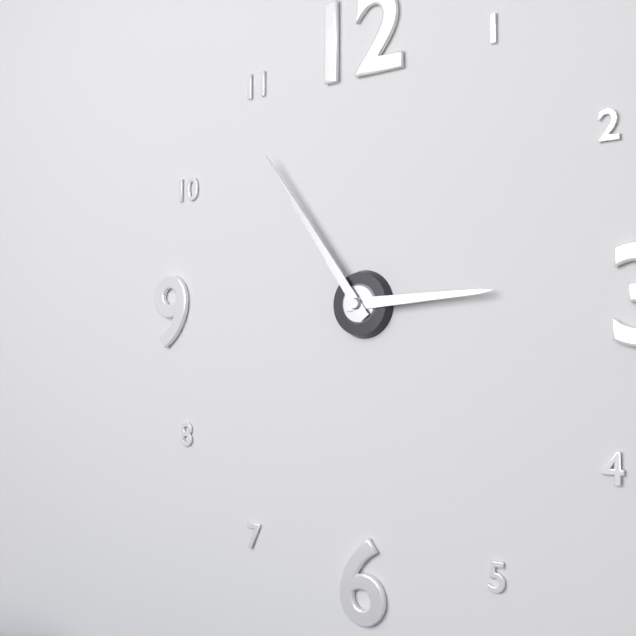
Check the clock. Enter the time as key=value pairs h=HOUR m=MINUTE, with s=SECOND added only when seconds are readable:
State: h=2 m=54
